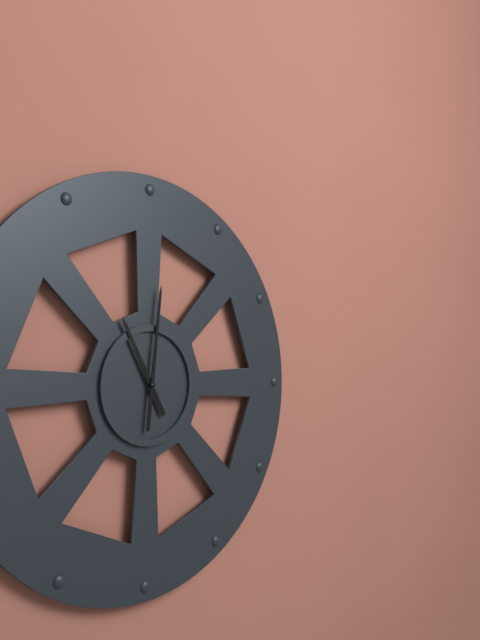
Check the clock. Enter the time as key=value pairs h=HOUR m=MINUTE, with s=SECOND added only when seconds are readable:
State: h=11 m=1
